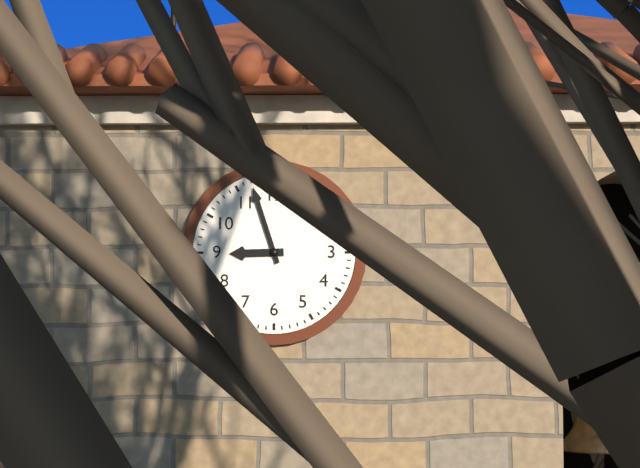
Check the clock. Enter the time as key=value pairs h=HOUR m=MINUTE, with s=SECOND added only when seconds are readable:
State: h=8 m=57
